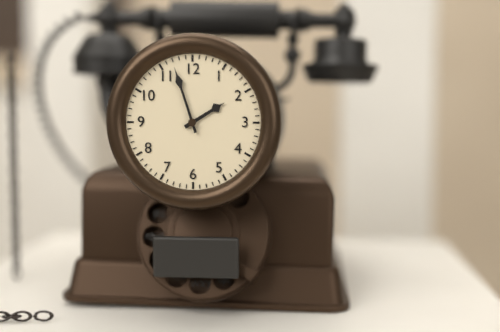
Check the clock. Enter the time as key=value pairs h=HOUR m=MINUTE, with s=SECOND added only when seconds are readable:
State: h=1 m=57
